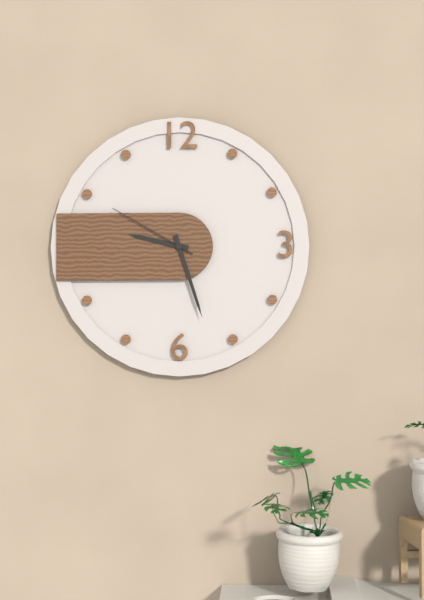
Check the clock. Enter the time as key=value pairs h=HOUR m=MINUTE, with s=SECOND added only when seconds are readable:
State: h=9 m=27 s=50
